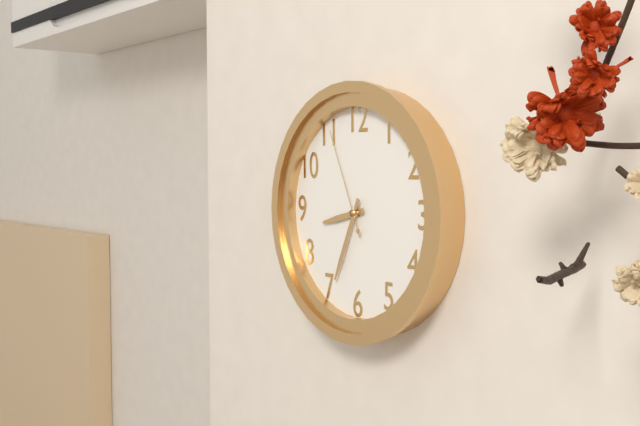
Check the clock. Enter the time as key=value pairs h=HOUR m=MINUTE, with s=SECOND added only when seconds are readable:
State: h=8 m=34 s=56
